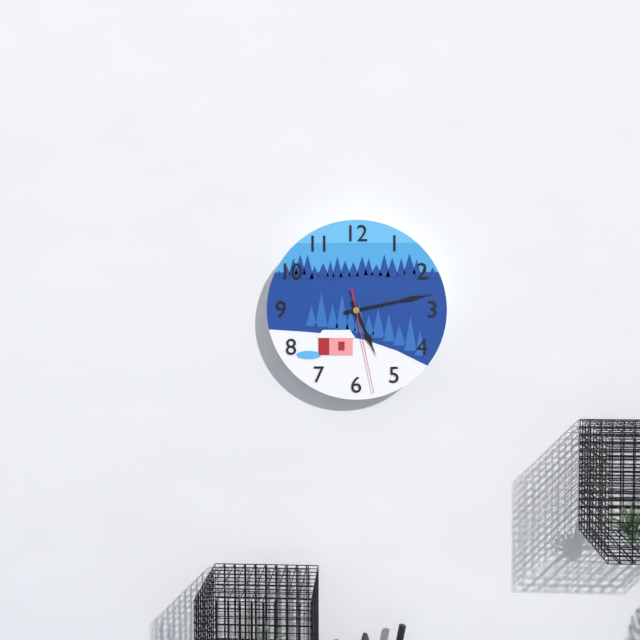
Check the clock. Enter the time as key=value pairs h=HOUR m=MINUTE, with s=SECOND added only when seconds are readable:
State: h=5 m=13 s=28
